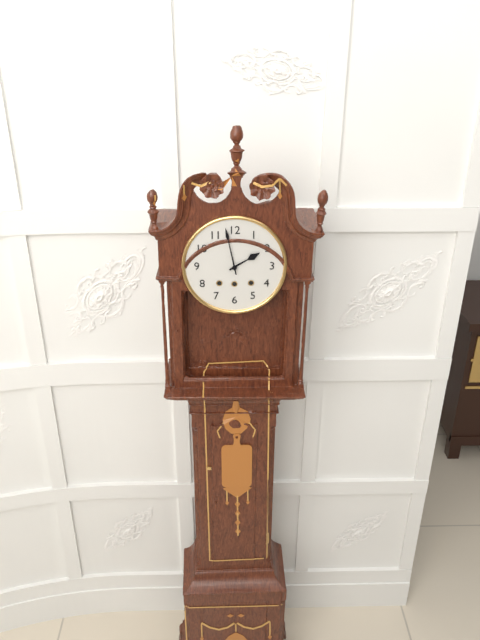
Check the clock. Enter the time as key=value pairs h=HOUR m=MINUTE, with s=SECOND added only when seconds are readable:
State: h=1 m=58
